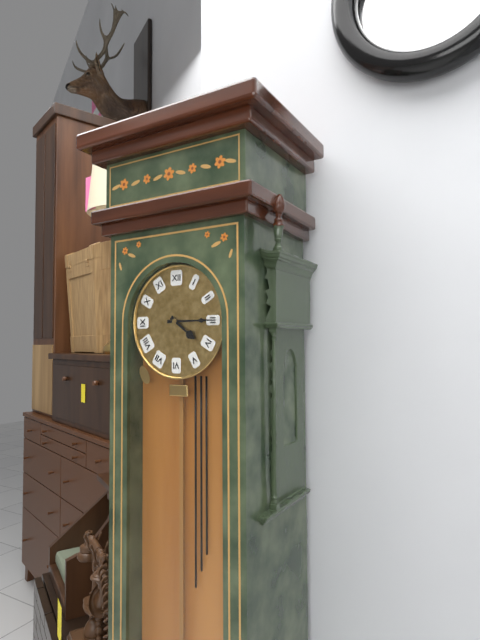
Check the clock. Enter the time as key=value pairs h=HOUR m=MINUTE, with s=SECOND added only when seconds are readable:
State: h=4 m=15
